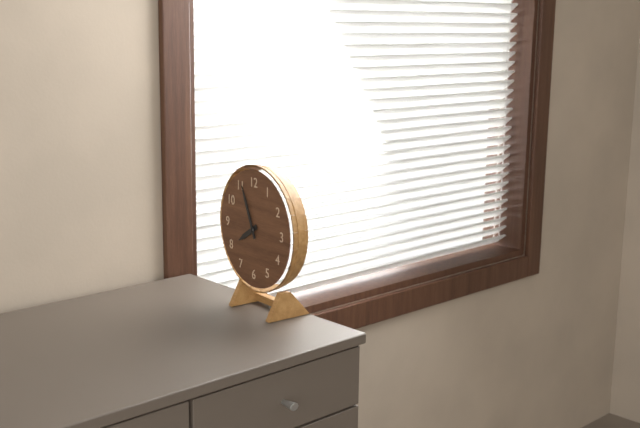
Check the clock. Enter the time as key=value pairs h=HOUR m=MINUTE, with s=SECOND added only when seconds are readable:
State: h=7 m=56
